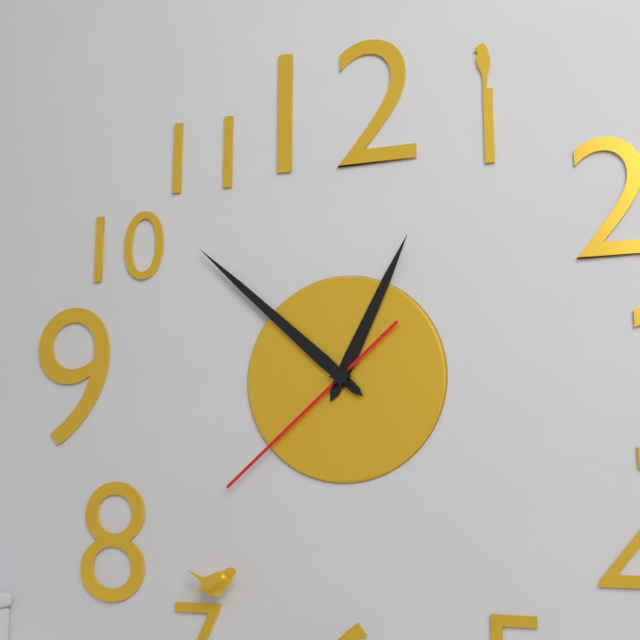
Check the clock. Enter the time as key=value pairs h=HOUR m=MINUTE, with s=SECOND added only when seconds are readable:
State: h=12 m=52 s=38
